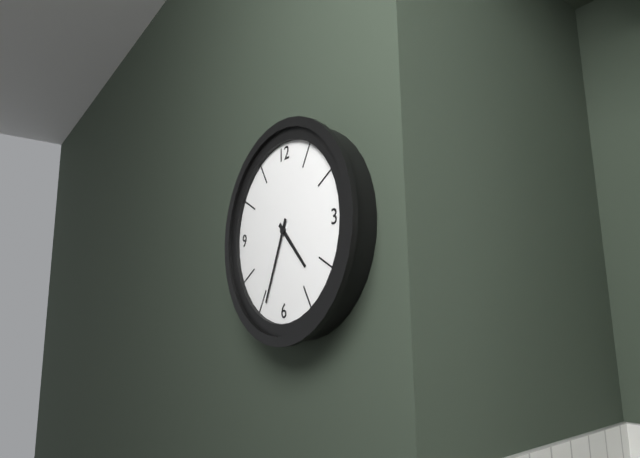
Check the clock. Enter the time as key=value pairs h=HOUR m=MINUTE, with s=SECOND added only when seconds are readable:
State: h=4 m=34
